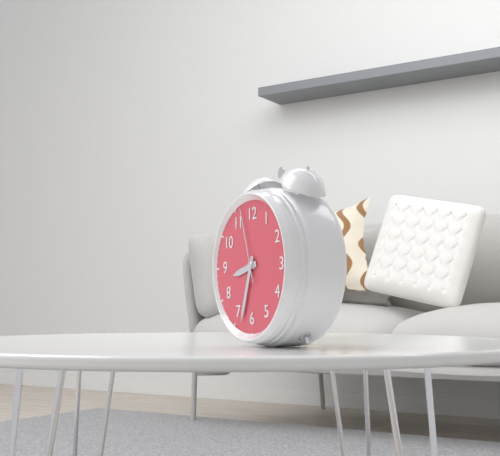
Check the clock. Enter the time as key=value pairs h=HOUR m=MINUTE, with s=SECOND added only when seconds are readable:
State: h=8 m=33 s=57
